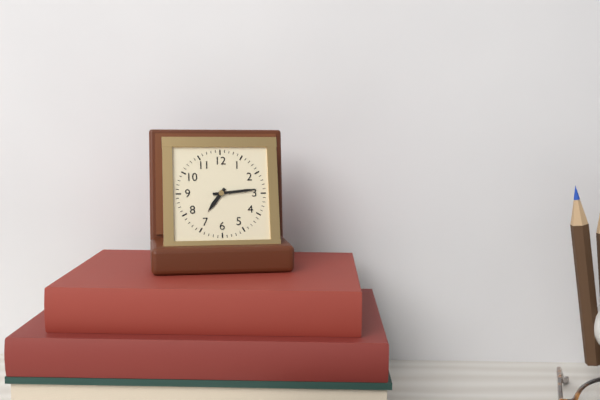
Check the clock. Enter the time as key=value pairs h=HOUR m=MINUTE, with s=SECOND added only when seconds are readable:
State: h=7 m=14
